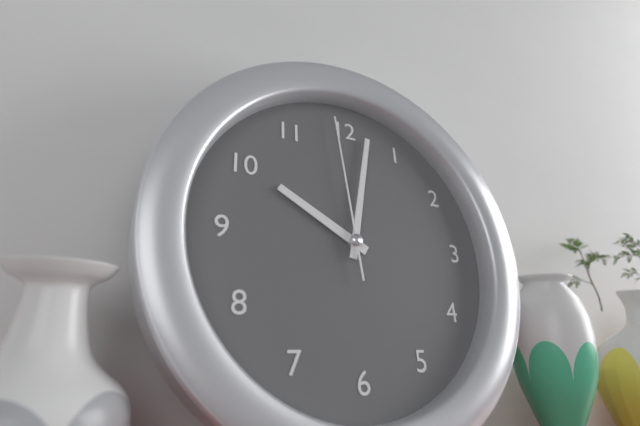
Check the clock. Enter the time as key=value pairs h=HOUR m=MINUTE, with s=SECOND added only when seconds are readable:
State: h=10 m=2 s=59
